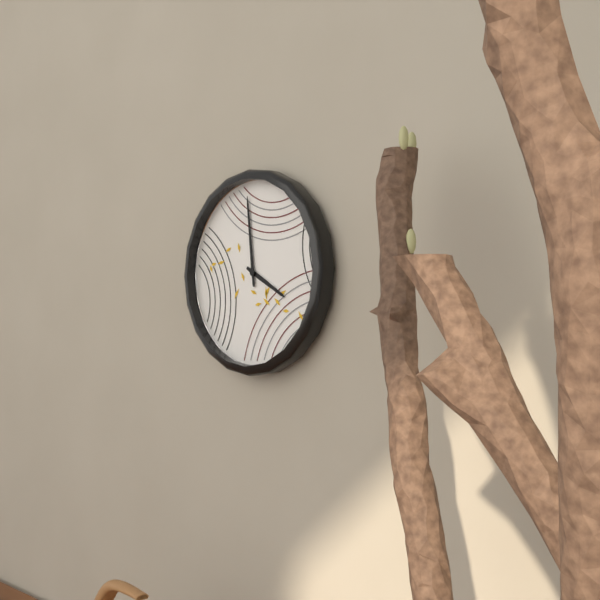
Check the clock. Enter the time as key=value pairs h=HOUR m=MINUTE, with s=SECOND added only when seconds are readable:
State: h=3 m=59
